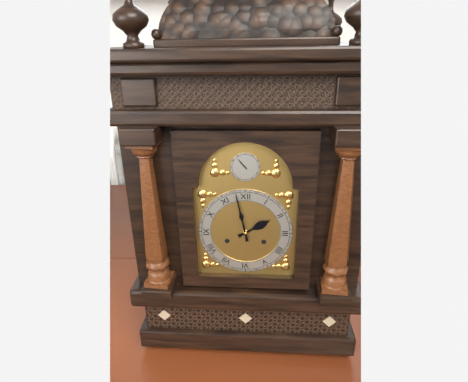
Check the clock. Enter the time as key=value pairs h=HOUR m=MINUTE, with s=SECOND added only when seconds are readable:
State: h=1 m=58
